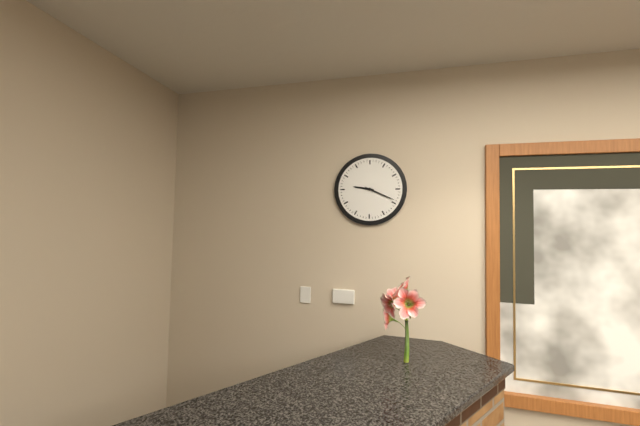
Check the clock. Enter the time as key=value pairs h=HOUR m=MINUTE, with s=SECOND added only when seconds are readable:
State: h=9 m=19
